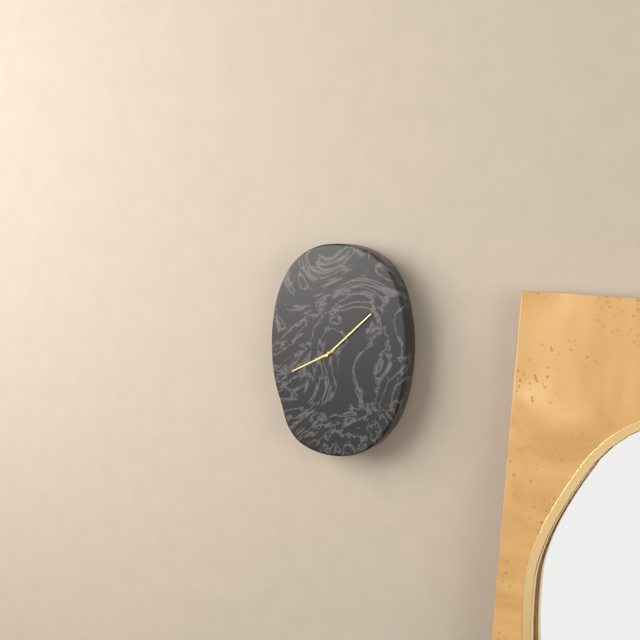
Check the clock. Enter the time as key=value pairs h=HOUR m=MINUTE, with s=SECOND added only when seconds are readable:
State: h=8 m=8
